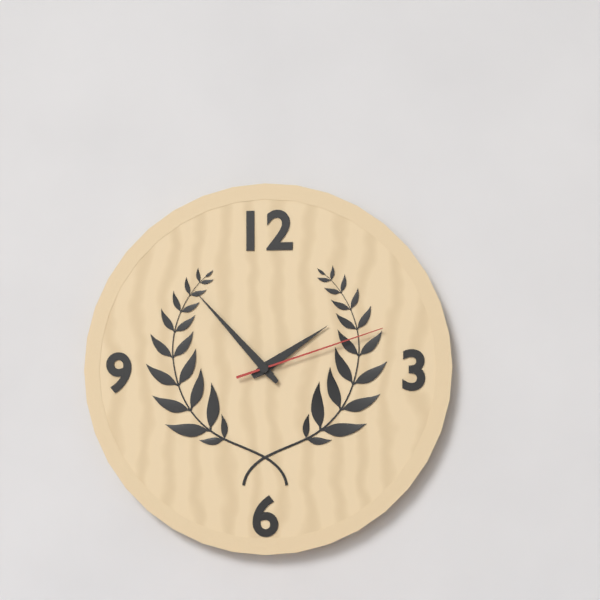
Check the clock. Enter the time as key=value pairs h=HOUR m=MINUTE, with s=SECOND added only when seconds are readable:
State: h=1 m=53 s=12
